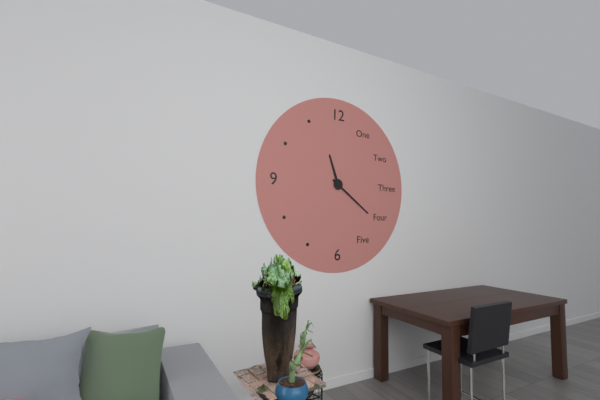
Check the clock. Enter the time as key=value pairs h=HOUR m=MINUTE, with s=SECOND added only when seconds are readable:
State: h=11 m=21
